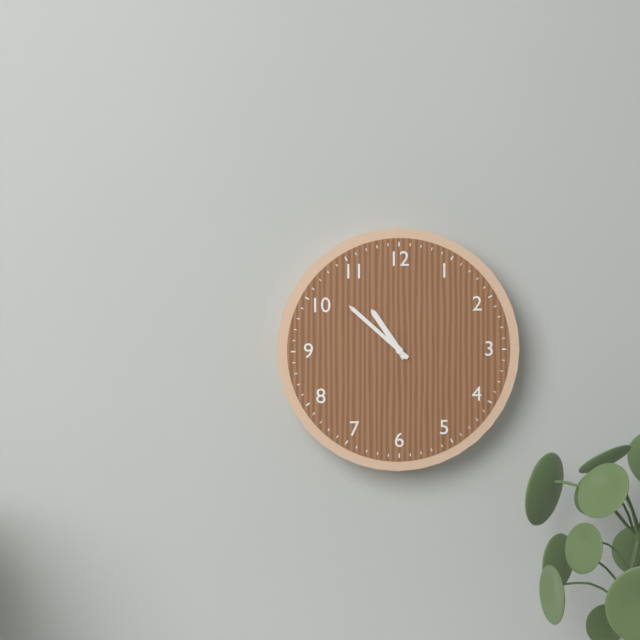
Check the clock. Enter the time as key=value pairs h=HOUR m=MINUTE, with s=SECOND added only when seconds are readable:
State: h=10 m=52
